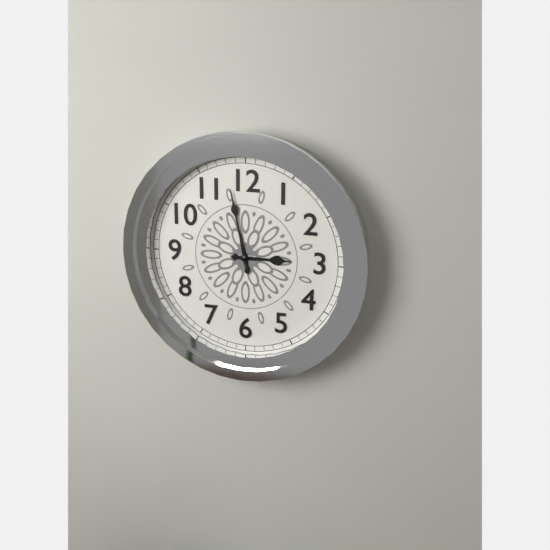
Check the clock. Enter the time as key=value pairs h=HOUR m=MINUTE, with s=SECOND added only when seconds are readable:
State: h=2 m=58
